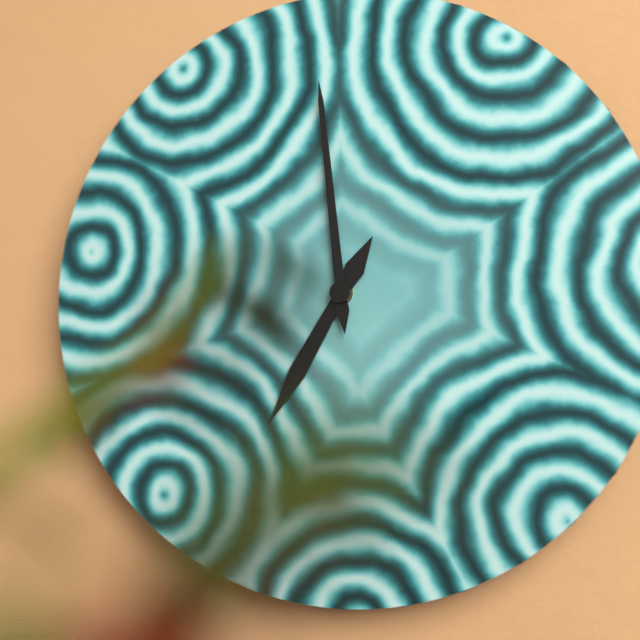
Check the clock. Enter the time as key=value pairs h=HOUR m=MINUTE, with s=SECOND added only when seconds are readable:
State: h=6 m=59
